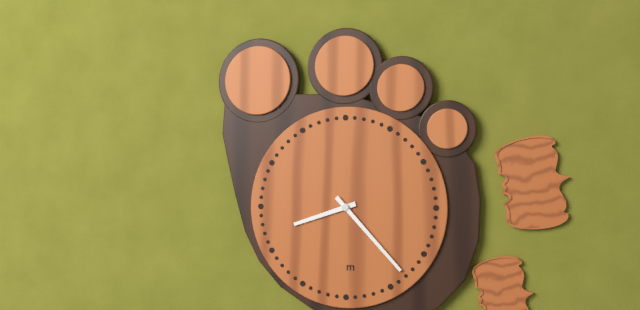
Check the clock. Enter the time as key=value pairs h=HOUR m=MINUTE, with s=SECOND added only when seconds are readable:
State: h=8 m=23
